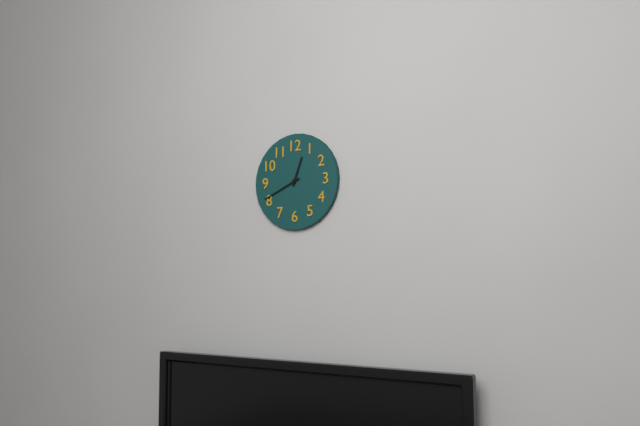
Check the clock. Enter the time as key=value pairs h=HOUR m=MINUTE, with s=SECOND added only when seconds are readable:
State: h=12 m=41
